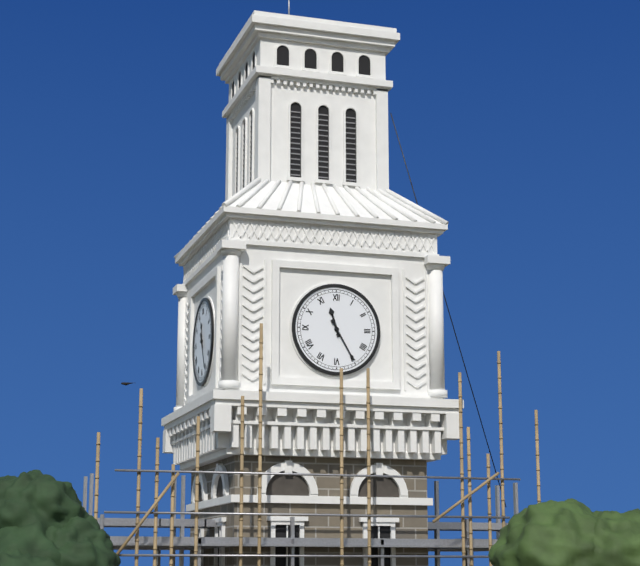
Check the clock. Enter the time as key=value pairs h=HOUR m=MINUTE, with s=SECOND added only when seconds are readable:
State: h=11 m=25
